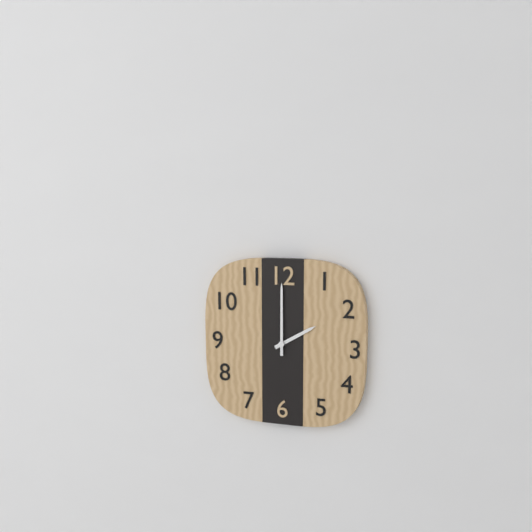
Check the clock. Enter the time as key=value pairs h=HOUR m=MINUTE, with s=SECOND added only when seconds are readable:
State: h=2 m=0
